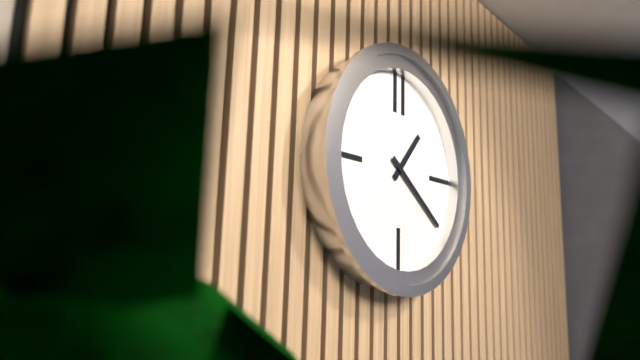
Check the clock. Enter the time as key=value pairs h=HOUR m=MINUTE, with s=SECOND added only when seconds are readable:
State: h=1 m=21
